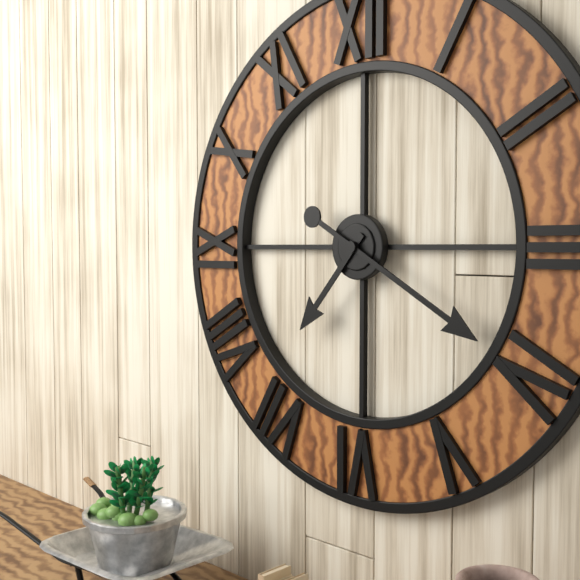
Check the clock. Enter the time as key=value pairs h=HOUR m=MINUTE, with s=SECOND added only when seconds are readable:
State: h=7 m=20
